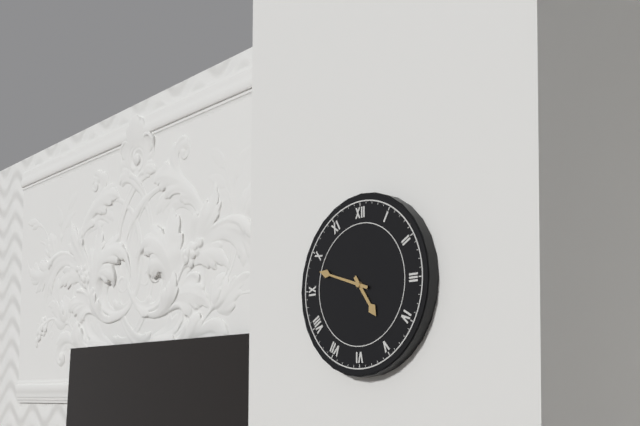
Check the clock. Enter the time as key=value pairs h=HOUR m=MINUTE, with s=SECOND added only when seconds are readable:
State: h=4 m=48
